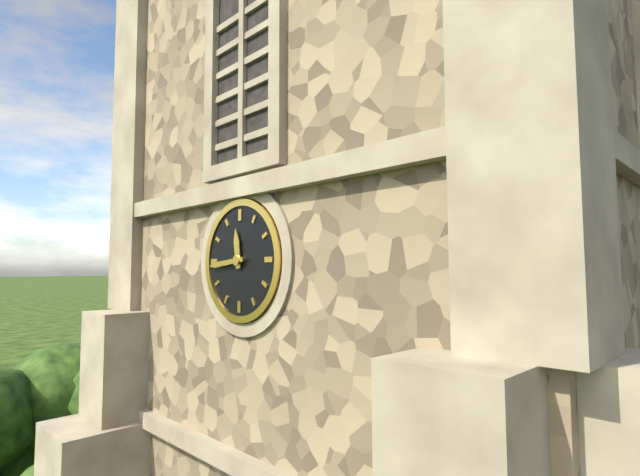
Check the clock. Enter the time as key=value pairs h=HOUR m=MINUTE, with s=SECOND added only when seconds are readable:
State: h=11 m=44
